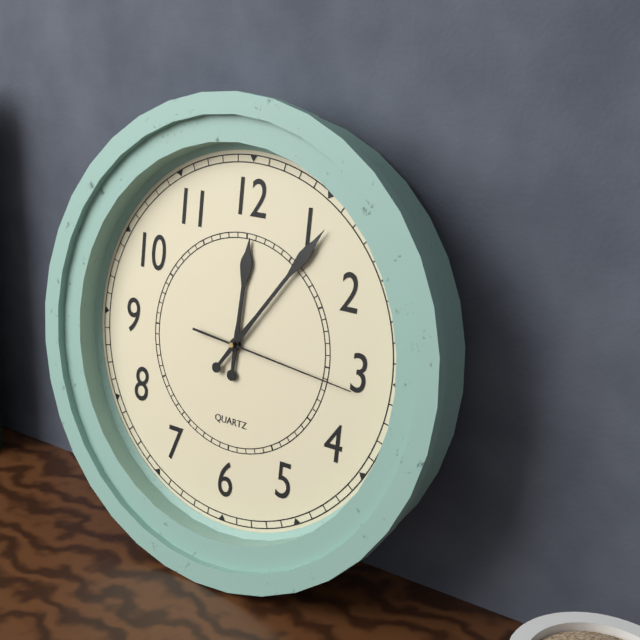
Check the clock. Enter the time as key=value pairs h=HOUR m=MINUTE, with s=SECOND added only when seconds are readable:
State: h=12 m=6 s=16
